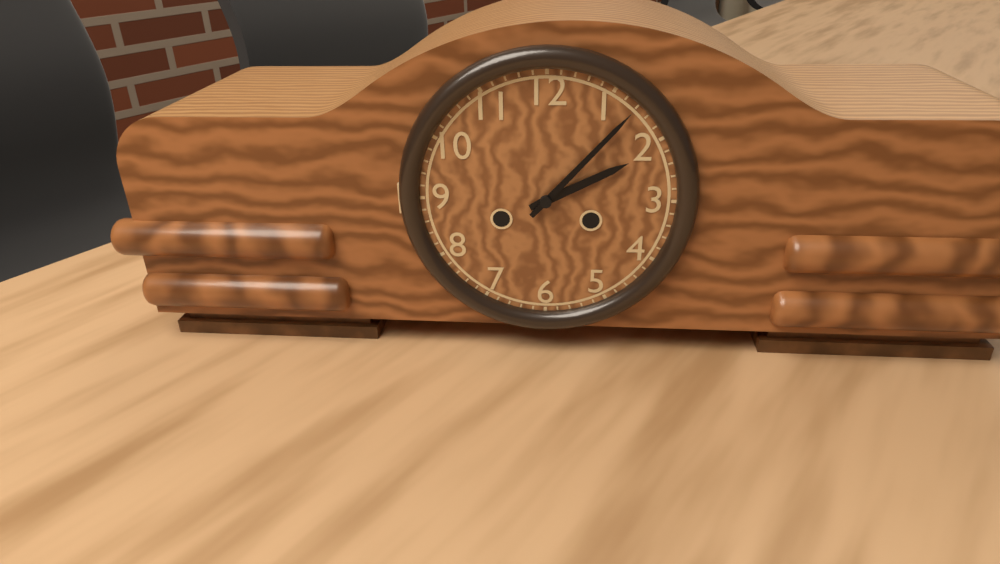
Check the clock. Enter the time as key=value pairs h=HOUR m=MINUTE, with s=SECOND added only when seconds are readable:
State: h=2 m=7
